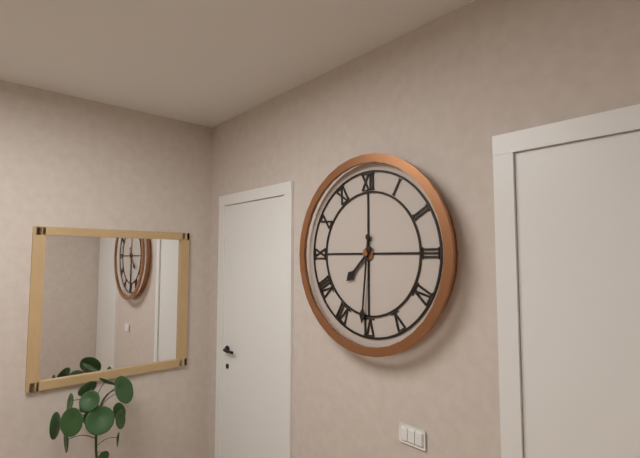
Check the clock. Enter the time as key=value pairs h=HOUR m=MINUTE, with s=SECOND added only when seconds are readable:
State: h=7 m=31
